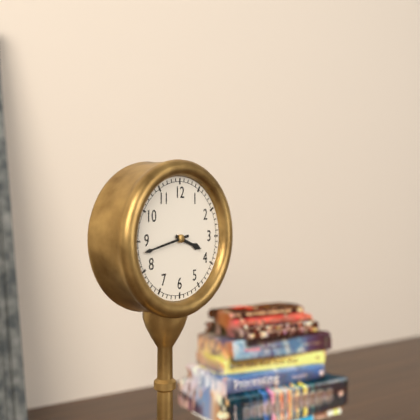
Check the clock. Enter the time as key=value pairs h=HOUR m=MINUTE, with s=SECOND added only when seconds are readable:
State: h=3 m=43
